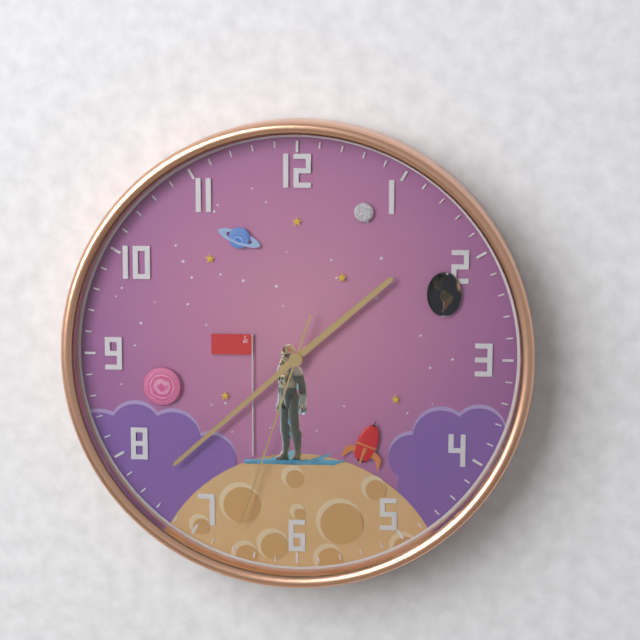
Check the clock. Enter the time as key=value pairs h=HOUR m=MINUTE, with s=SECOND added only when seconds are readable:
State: h=1 m=38 s=33
